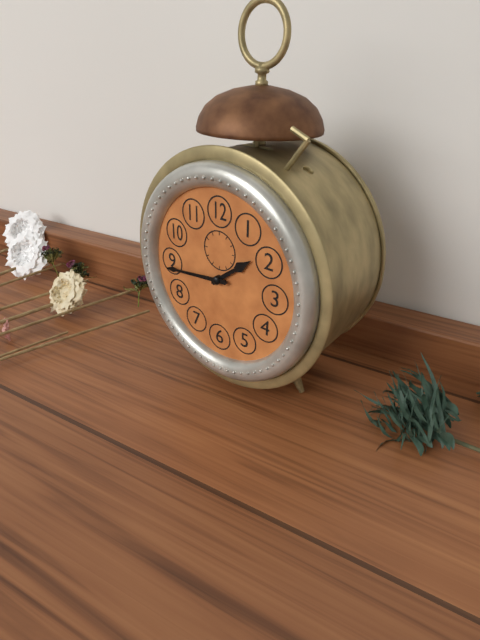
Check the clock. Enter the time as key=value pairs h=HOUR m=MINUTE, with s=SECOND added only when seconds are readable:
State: h=1 m=44
